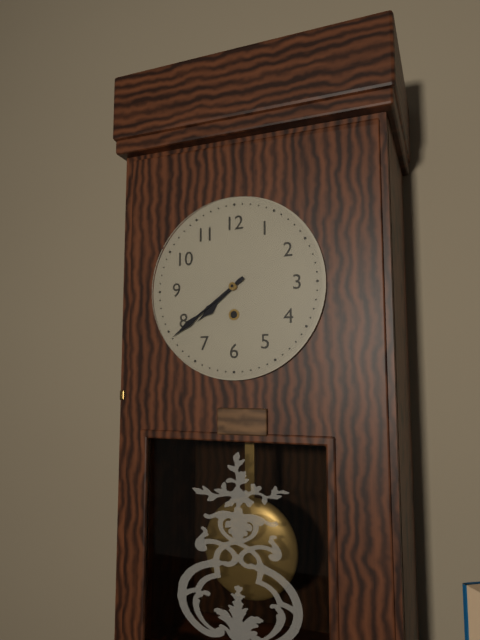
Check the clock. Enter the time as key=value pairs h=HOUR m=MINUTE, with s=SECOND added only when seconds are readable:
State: h=7 m=39
